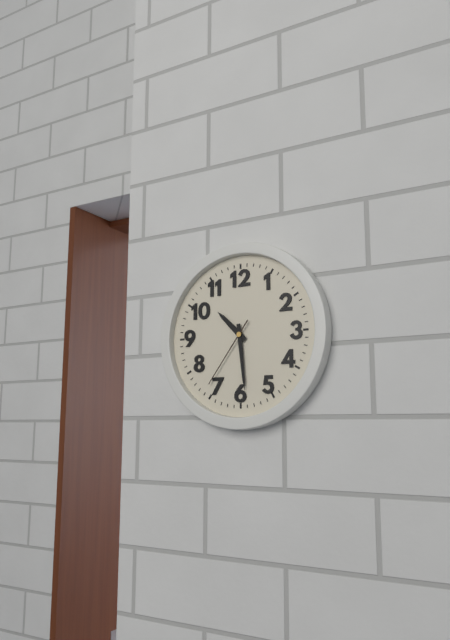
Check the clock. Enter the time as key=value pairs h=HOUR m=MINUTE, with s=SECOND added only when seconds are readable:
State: h=10 m=29 s=36
